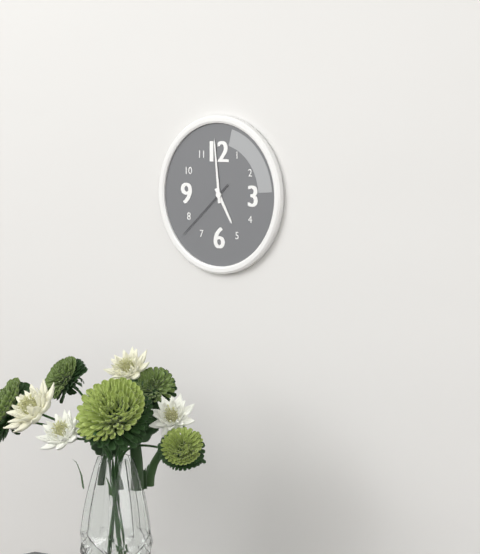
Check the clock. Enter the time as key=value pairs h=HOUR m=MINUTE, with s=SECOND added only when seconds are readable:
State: h=4 m=59 s=38
